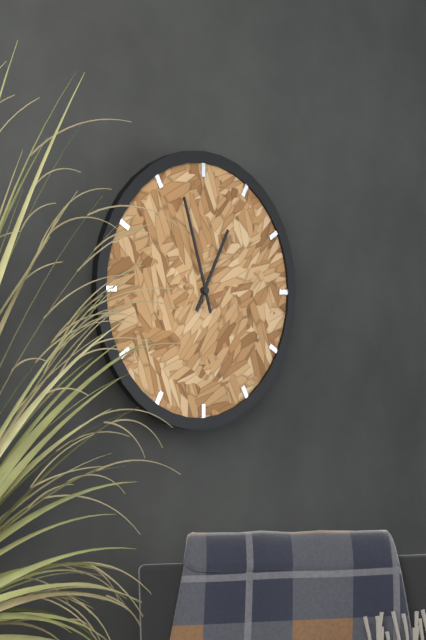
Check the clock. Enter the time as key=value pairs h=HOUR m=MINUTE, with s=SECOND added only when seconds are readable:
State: h=12 m=57
